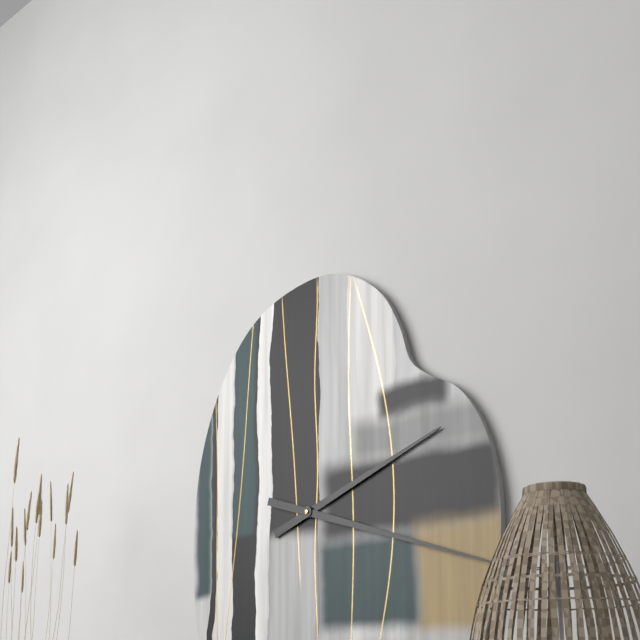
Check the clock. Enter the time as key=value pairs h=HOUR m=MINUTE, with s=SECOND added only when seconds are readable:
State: h=2 m=18
